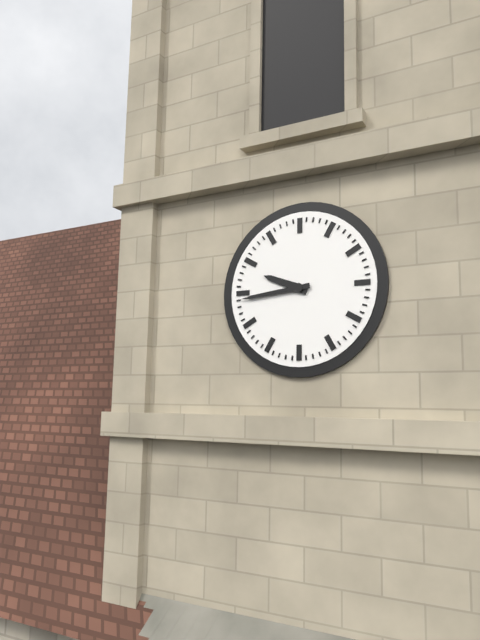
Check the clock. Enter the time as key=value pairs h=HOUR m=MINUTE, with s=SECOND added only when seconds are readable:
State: h=9 m=44
